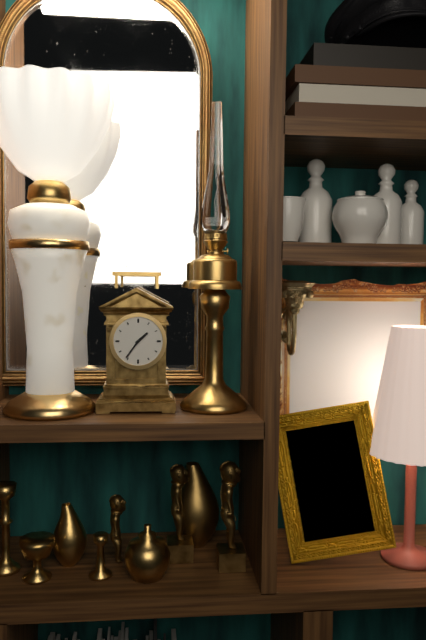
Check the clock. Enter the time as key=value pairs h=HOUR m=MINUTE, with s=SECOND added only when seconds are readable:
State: h=1 m=36
